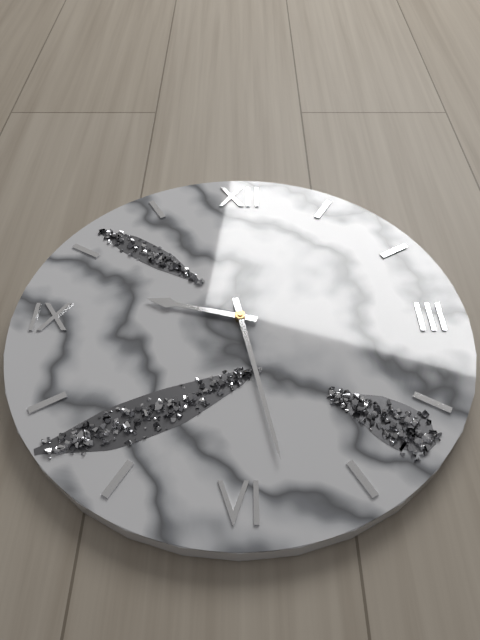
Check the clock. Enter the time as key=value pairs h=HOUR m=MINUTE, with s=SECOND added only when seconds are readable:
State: h=9 m=28
